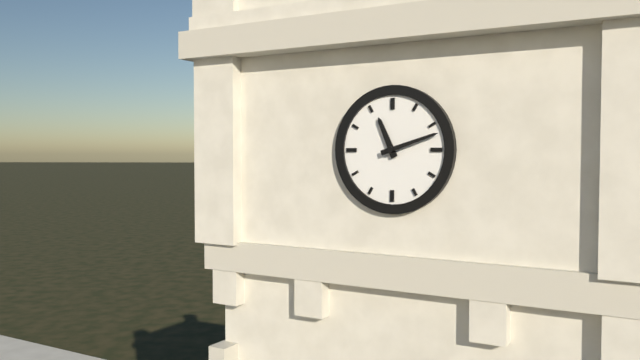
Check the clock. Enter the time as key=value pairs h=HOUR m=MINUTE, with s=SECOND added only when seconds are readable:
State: h=11 m=12
